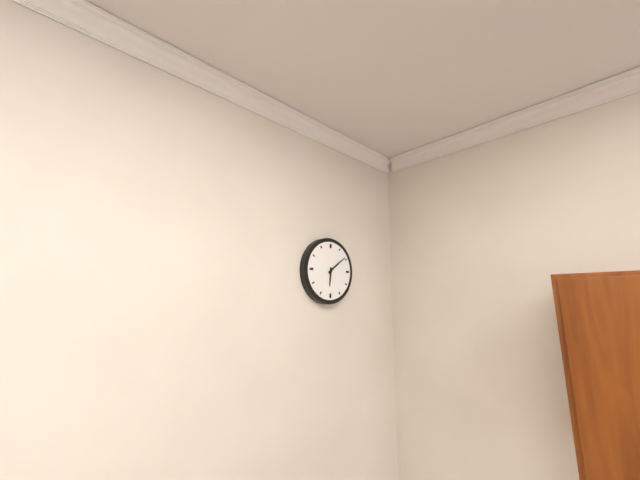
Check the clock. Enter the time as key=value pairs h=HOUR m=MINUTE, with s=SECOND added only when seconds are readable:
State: h=6 m=9
